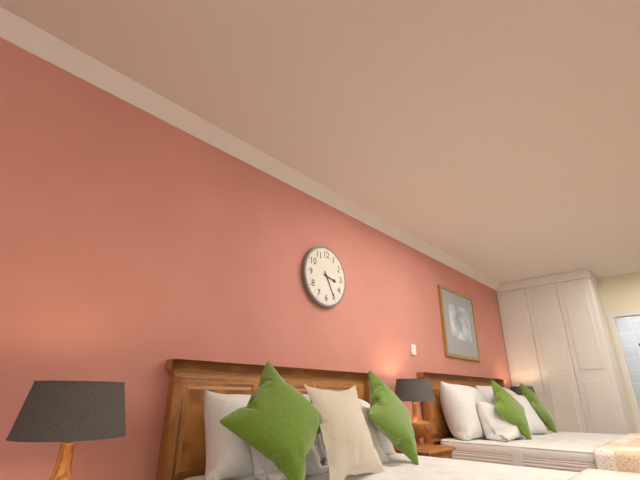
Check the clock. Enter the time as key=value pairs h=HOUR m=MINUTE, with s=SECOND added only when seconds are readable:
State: h=3 m=25
